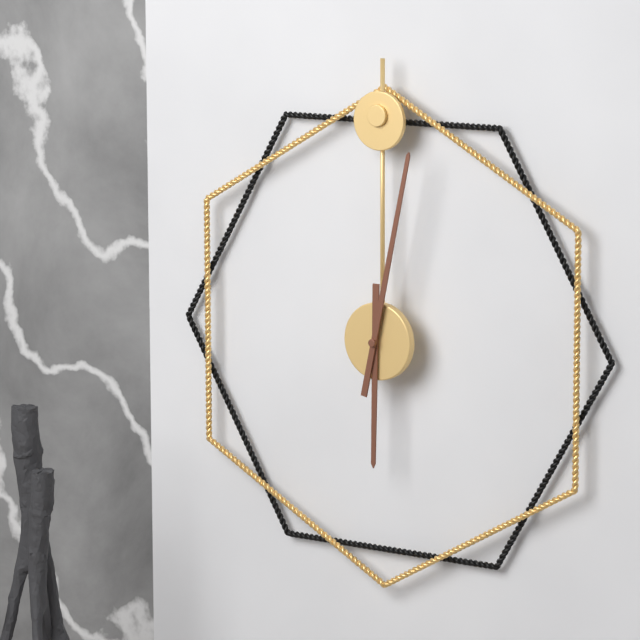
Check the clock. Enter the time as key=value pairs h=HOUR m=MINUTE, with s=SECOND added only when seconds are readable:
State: h=6 m=2
